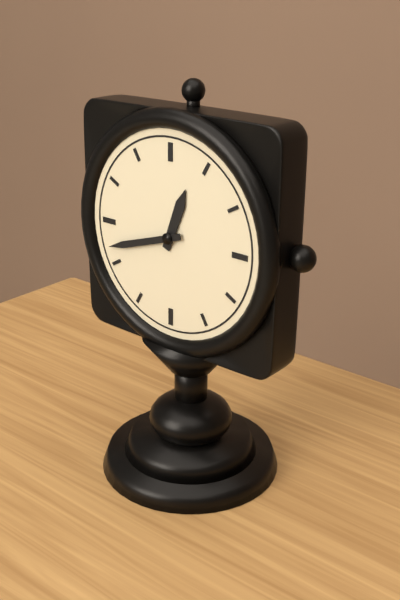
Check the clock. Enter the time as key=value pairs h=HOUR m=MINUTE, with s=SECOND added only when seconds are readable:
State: h=12 m=42
